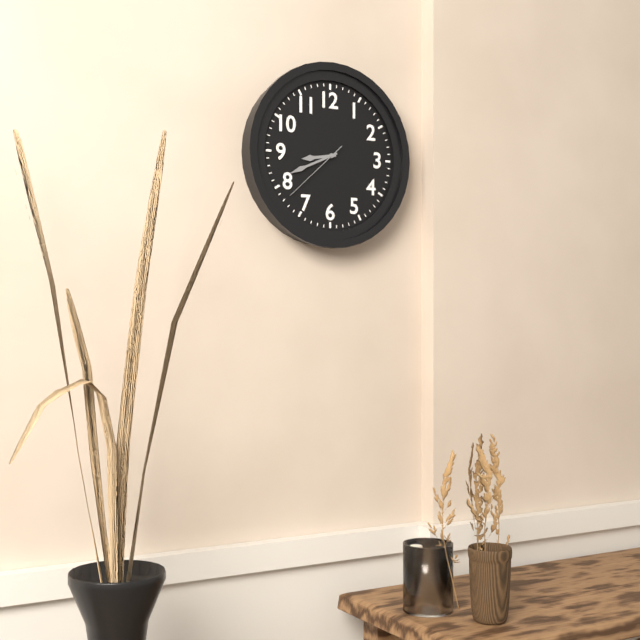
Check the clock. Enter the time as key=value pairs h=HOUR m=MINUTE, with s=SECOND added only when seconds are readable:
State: h=8 m=41 s=38
